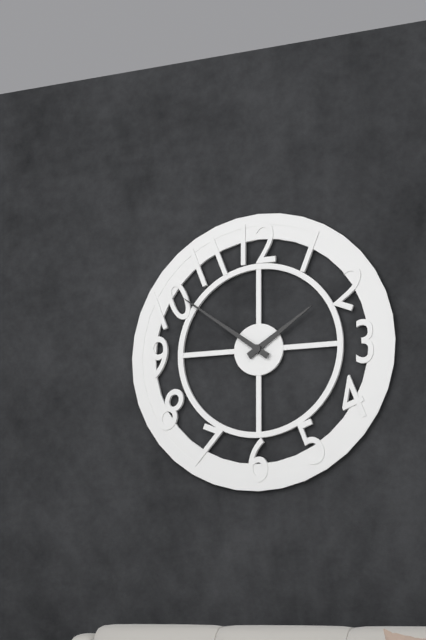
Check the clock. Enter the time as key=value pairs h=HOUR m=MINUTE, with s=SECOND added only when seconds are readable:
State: h=1 m=51
